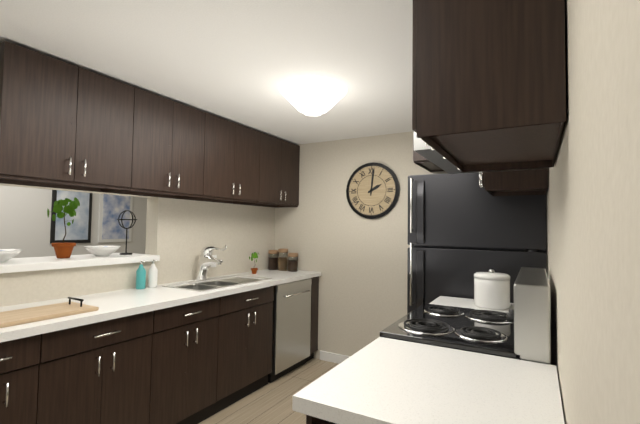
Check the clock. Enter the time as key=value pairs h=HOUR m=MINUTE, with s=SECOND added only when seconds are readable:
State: h=2 m=1
